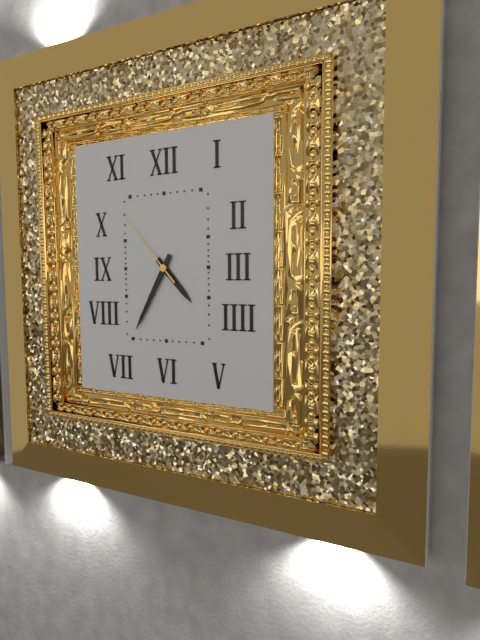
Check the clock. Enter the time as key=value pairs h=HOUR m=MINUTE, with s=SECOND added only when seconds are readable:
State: h=4 m=35 s=53
